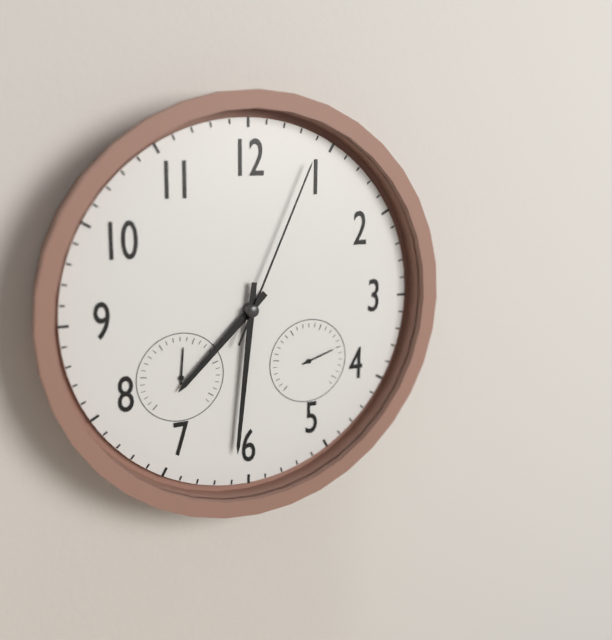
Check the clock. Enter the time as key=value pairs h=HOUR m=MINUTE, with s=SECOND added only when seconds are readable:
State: h=7 m=31 s=4
